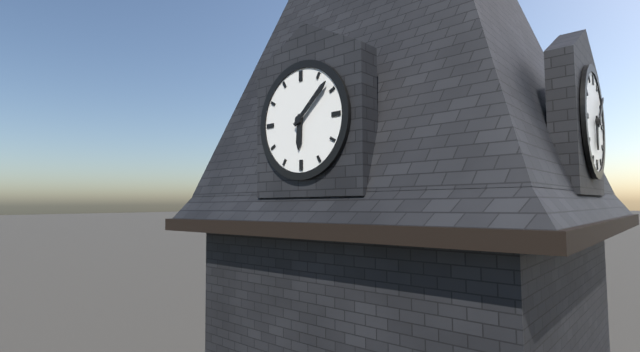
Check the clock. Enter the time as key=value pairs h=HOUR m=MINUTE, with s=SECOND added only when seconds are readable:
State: h=6 m=8
